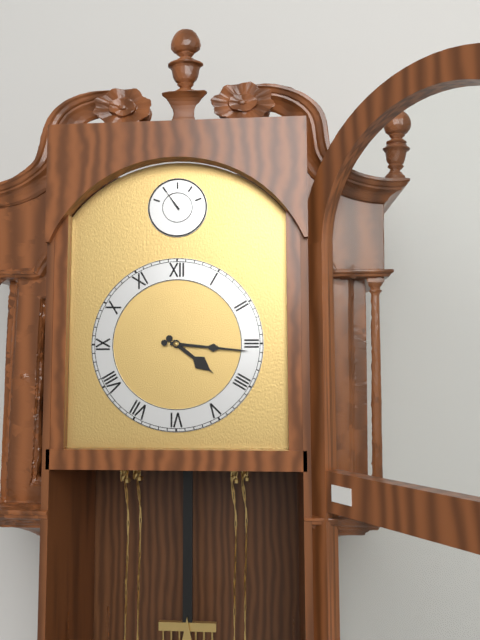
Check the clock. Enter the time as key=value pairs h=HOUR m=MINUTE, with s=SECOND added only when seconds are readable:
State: h=4 m=16
